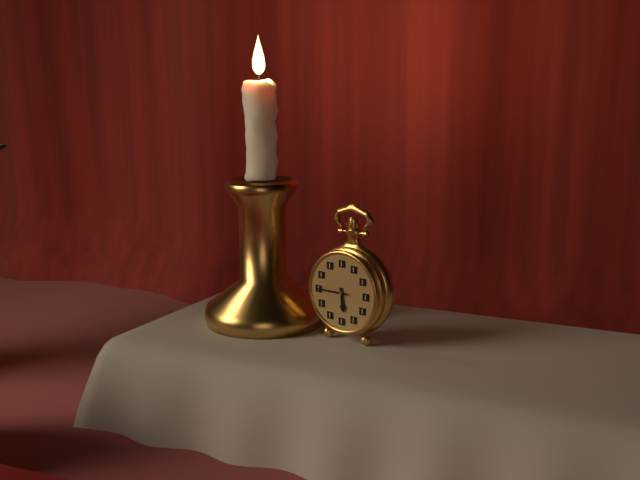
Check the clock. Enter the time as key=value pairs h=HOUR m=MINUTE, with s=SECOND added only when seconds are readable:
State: h=5 m=45
